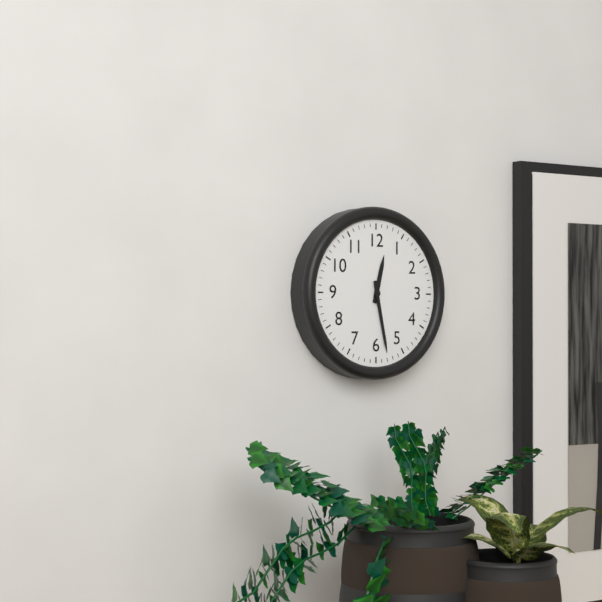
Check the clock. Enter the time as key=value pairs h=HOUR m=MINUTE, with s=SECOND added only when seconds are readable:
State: h=12 m=28
